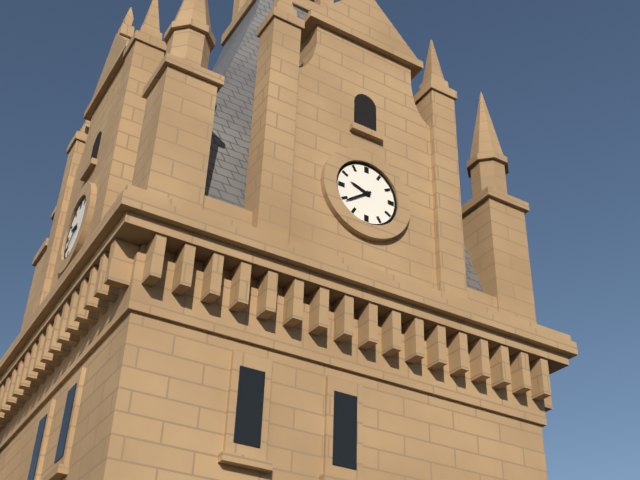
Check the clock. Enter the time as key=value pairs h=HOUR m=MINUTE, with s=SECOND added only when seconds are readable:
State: h=9 m=39
